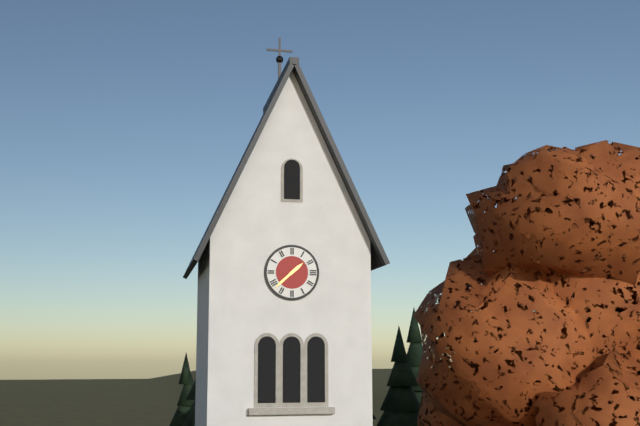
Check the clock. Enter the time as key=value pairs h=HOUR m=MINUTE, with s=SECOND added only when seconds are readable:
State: h=1 m=38
